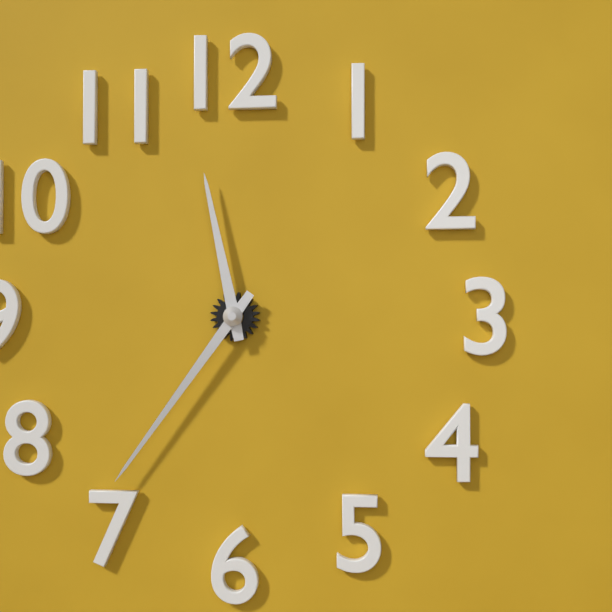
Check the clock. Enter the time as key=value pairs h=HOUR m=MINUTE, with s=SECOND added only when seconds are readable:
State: h=11 m=36
